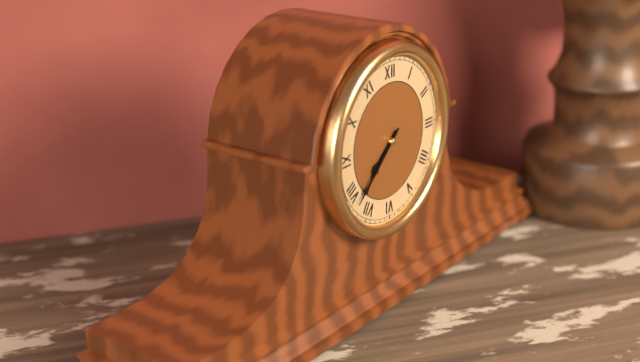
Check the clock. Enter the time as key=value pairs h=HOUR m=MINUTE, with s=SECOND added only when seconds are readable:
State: h=7 m=38
